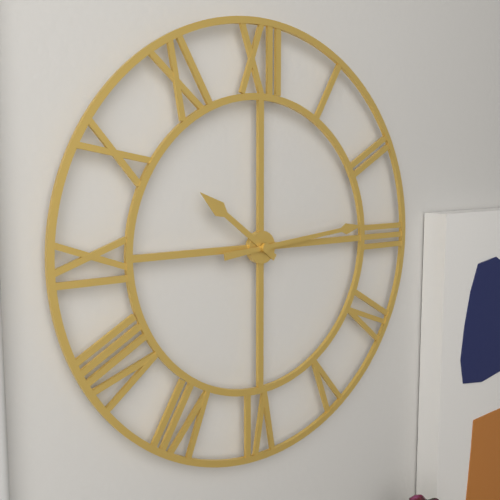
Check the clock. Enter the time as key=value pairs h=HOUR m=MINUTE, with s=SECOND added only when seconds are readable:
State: h=10 m=14
